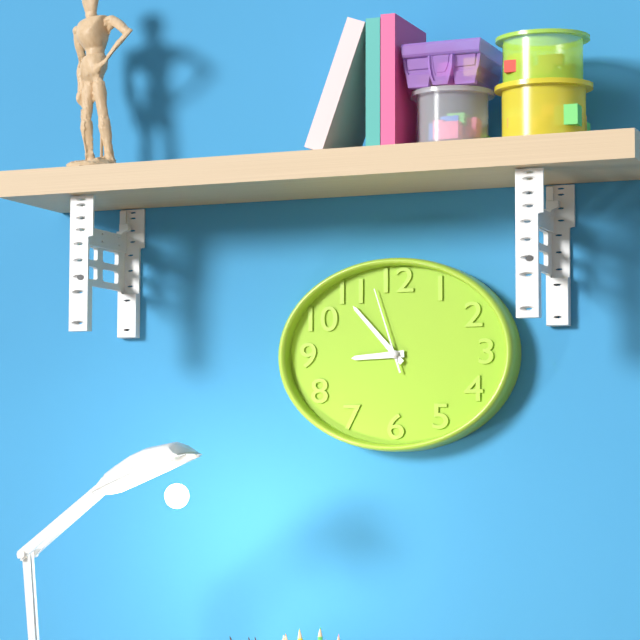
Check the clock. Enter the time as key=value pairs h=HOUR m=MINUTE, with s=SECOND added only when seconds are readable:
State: h=8 m=53 s=57
